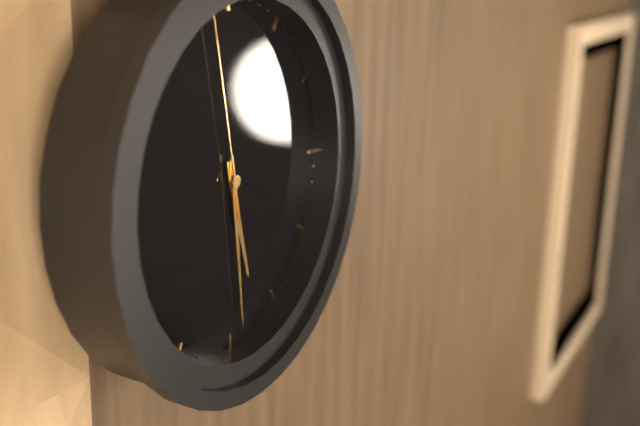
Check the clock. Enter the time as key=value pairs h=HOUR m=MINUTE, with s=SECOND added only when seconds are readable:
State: h=5 m=29 s=58
